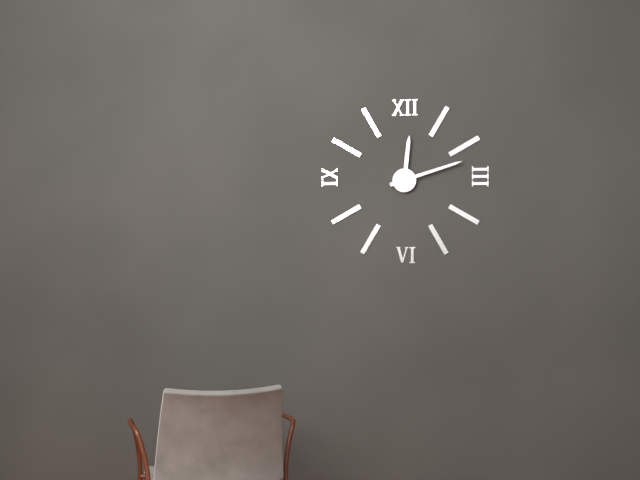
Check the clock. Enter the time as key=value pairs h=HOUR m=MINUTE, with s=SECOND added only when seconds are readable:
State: h=12 m=12
